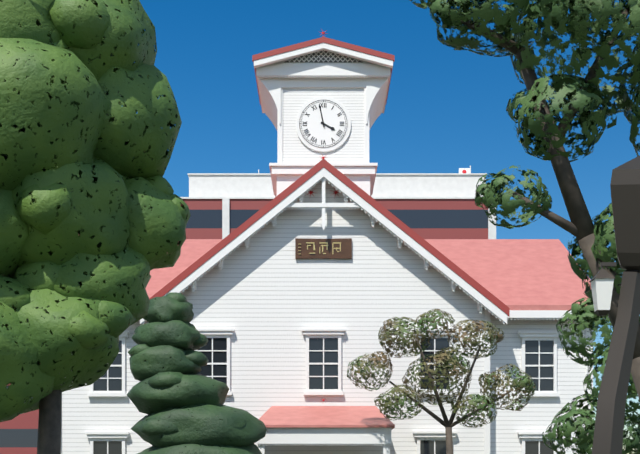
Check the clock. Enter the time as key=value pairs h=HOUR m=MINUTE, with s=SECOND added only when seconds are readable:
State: h=3 m=58
